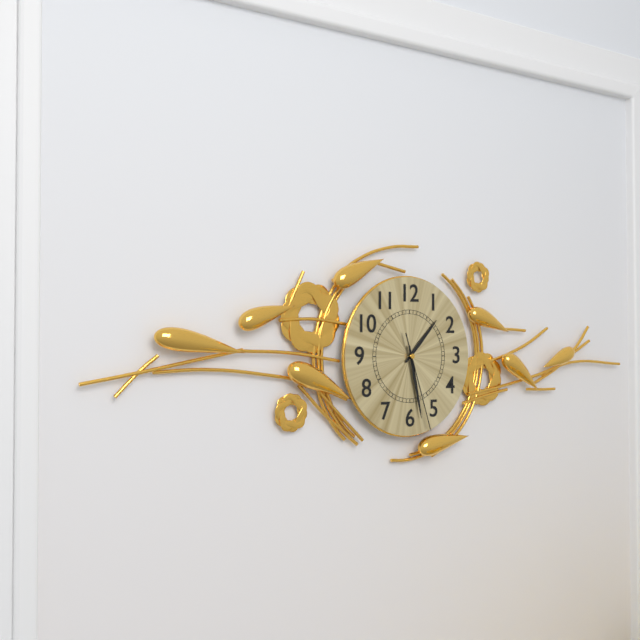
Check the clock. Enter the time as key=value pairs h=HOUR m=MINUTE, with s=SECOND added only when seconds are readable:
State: h=1 m=28 s=27
